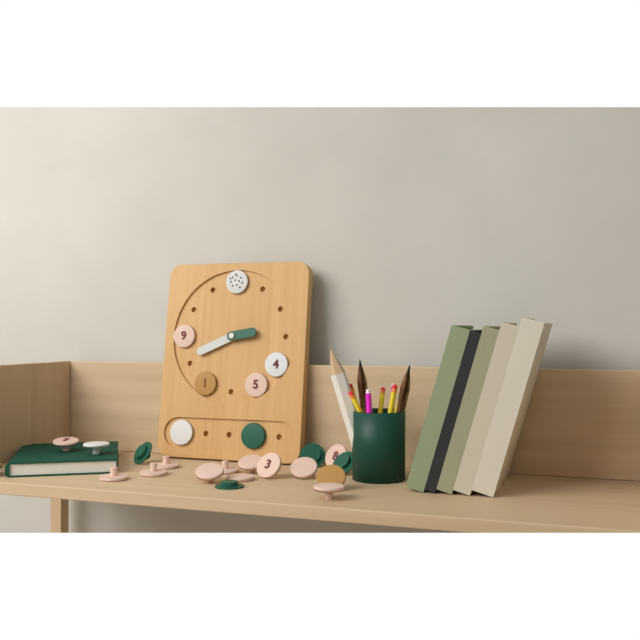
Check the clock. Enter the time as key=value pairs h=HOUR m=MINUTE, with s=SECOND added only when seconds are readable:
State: h=2 m=41
